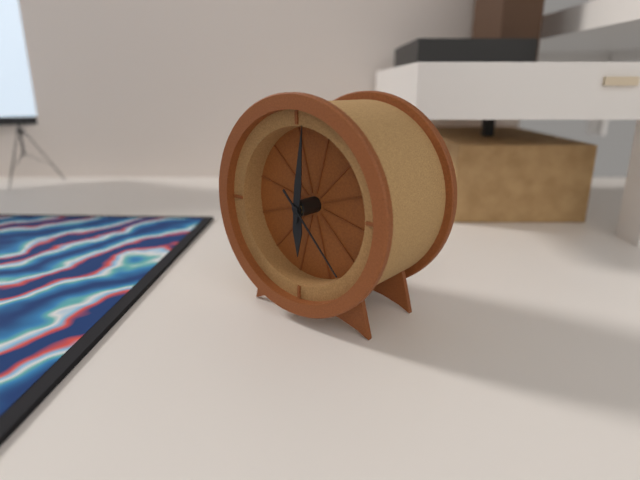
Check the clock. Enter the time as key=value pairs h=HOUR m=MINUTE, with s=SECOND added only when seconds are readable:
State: h=6 m=1 s=23
